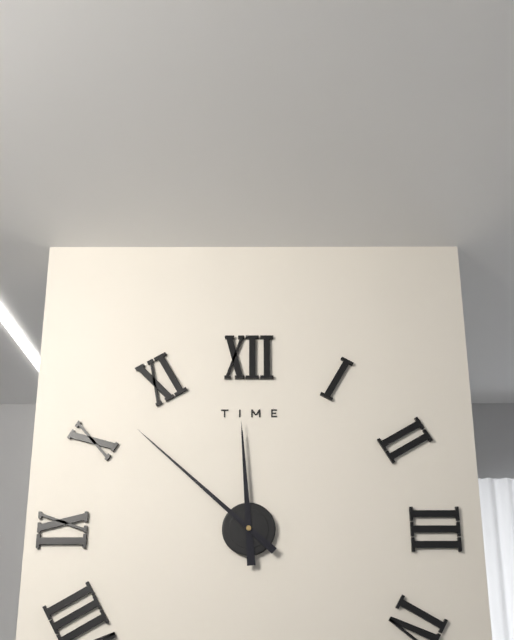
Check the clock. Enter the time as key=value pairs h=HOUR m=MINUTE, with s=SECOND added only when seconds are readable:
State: h=11 m=52
